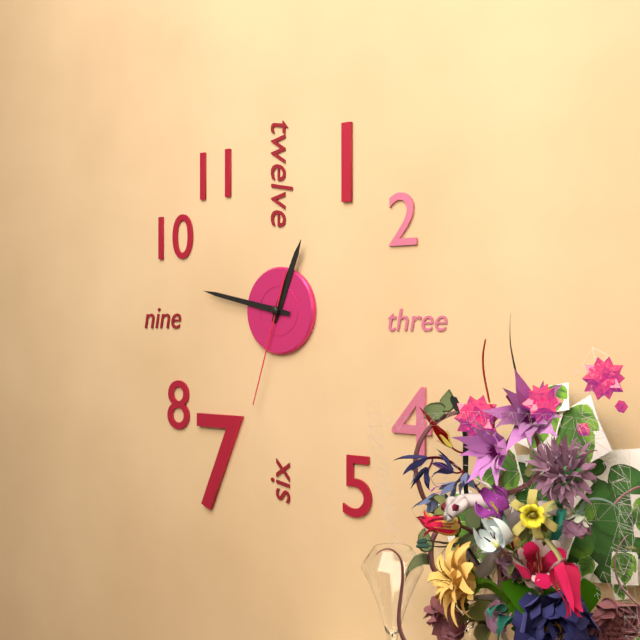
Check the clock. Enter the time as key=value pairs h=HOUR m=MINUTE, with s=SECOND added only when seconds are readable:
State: h=12 m=47 s=33
